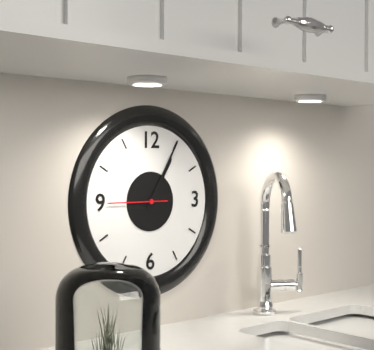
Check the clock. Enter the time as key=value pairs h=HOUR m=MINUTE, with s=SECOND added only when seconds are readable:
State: h=1 m=5 s=45
